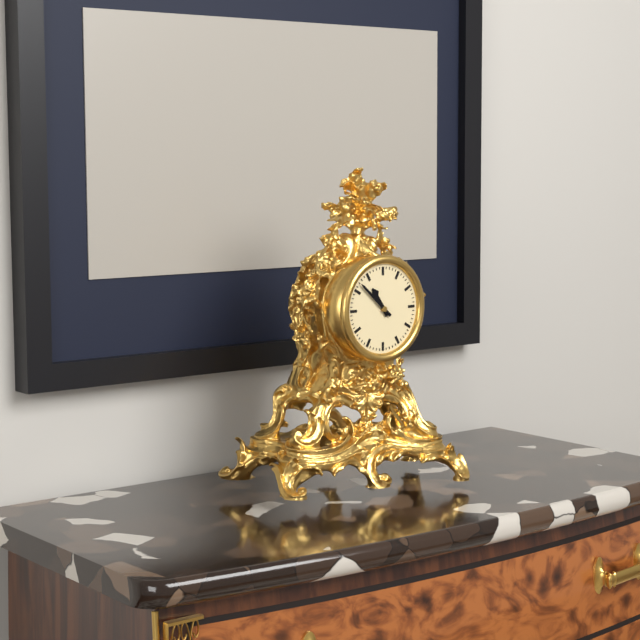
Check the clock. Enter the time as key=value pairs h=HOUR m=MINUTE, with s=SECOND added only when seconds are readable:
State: h=10 m=52
